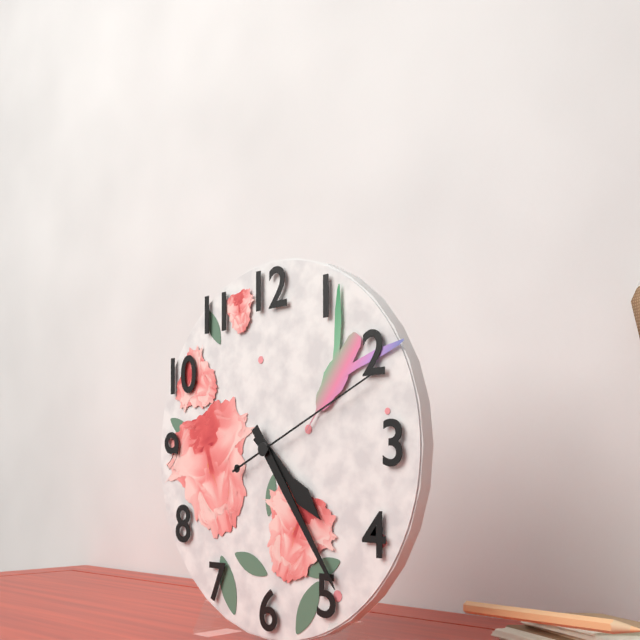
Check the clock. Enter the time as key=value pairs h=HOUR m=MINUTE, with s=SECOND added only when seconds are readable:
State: h=4 m=24 s=11
